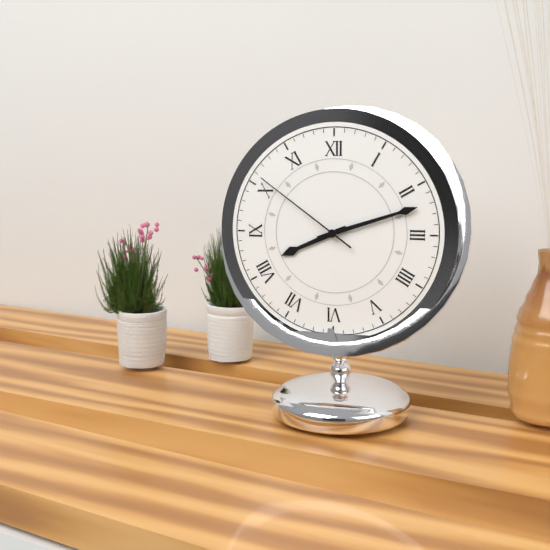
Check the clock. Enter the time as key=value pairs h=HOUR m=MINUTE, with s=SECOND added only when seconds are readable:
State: h=8 m=12 s=51
